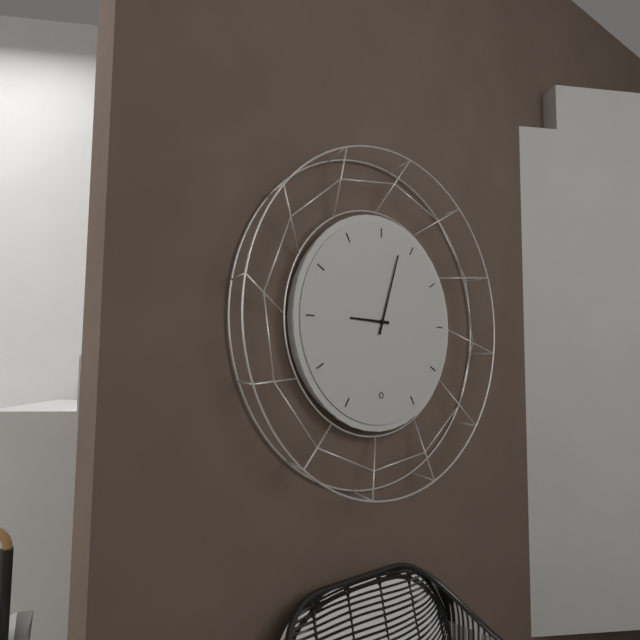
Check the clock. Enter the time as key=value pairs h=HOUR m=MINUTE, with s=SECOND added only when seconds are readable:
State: h=9 m=3
